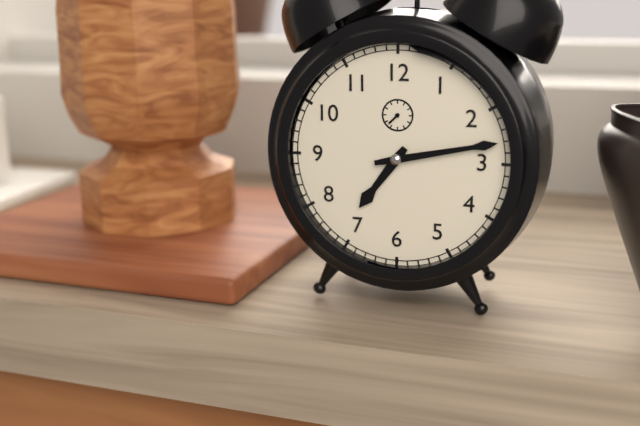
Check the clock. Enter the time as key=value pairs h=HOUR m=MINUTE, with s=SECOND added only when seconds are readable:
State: h=7 m=13
